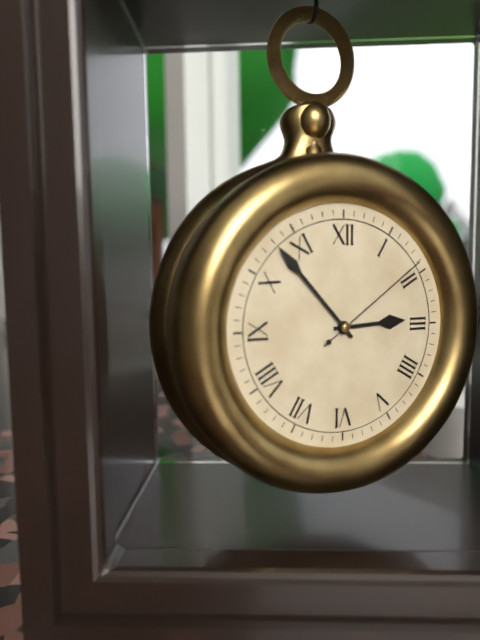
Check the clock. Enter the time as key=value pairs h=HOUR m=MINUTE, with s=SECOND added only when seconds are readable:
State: h=2 m=53 s=9
